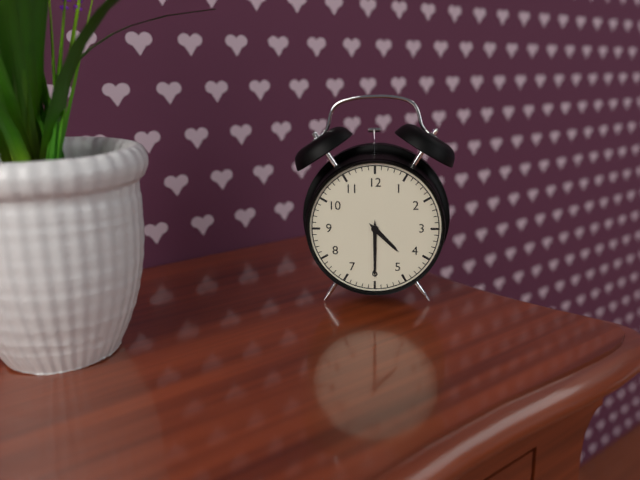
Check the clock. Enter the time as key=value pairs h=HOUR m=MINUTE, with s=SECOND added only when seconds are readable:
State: h=4 m=30
